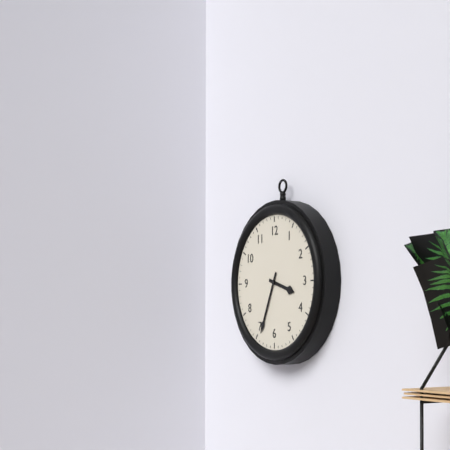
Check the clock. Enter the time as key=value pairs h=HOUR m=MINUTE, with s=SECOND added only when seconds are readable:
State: h=3 m=34
